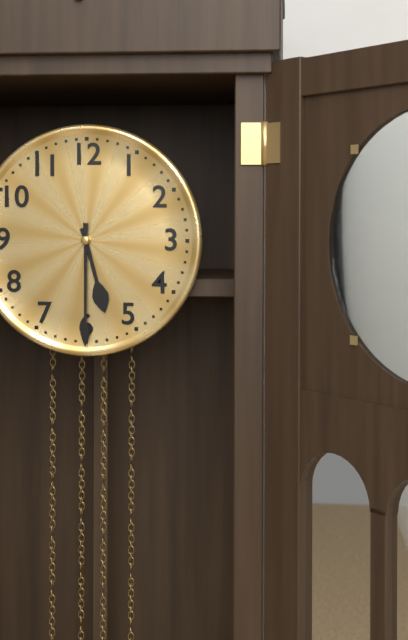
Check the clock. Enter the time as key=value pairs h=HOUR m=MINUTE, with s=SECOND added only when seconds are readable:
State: h=5 m=30
